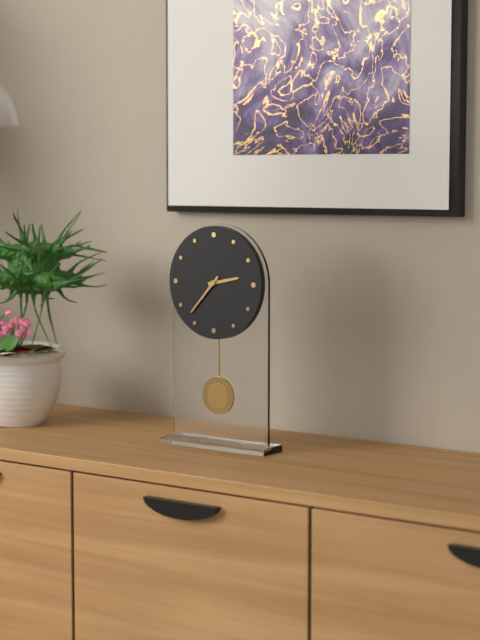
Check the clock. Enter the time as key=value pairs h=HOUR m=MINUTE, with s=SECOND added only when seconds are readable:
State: h=2 m=37
